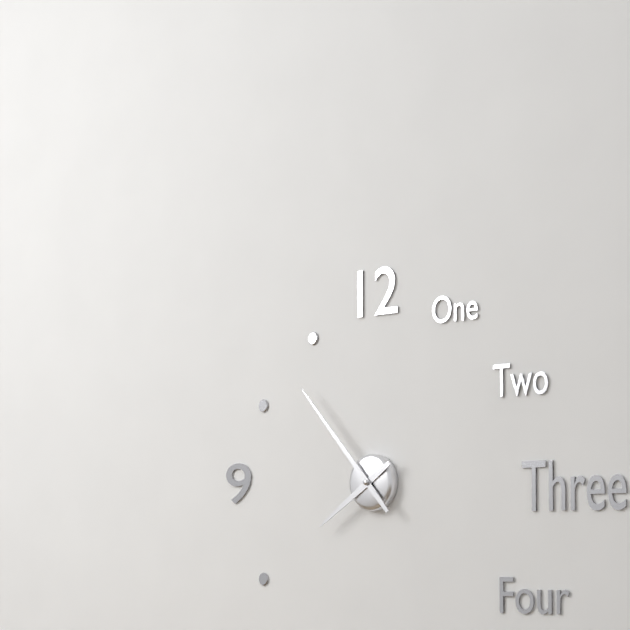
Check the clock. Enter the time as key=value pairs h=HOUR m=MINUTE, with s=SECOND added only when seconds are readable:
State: h=7 m=53
